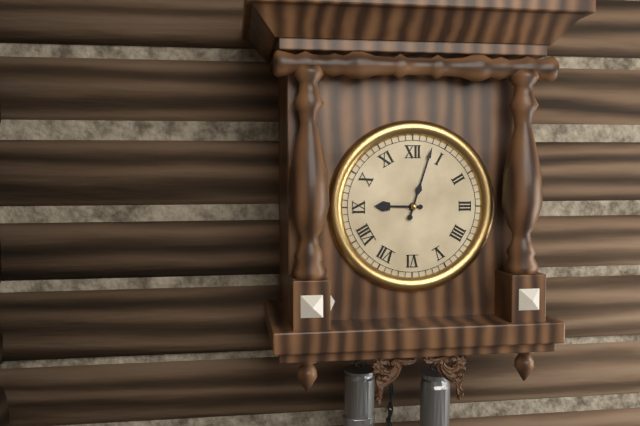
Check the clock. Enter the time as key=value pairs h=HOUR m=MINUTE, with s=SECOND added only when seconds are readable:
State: h=9 m=3
